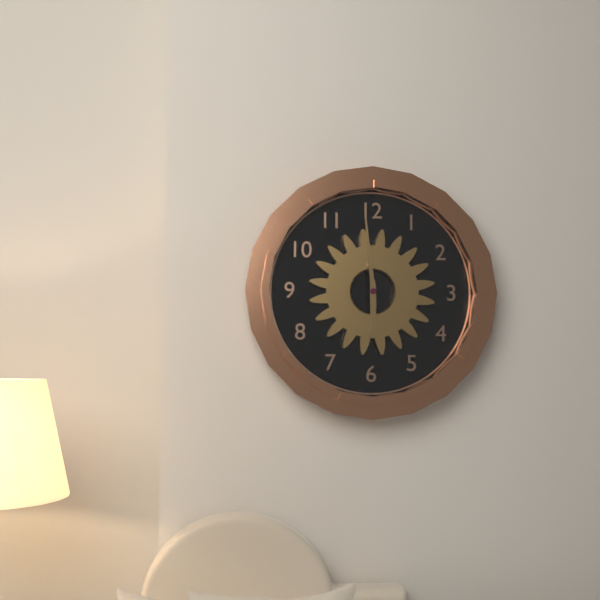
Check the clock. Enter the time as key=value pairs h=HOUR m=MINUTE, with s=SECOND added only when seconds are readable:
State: h=5 m=59
